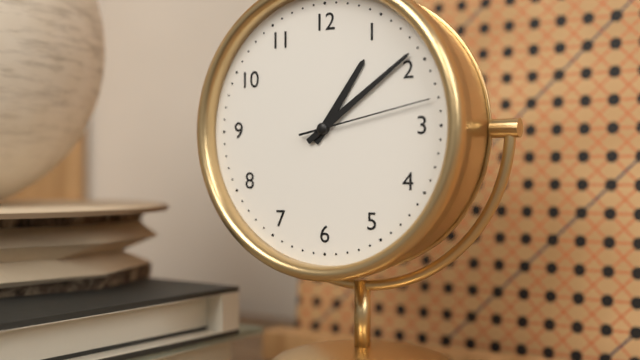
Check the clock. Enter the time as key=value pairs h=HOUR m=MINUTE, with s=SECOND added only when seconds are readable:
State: h=1 m=9 s=13
